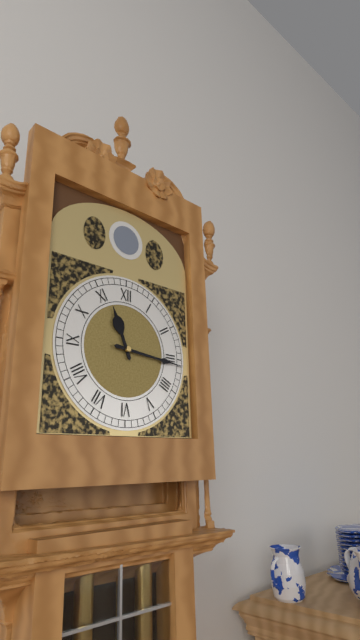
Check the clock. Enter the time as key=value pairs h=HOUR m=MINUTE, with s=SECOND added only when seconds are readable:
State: h=11 m=16
